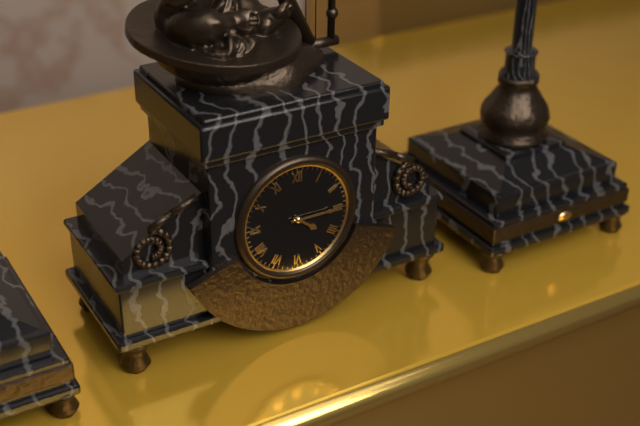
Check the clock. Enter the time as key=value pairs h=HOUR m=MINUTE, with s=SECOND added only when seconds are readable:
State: h=4 m=15
